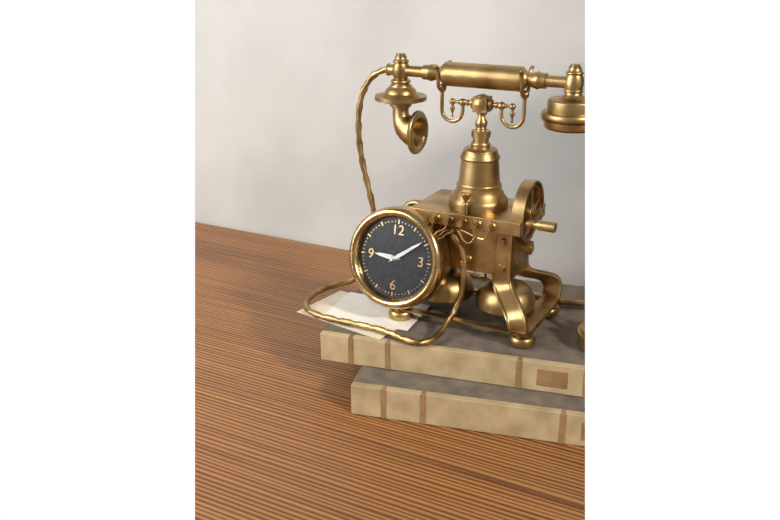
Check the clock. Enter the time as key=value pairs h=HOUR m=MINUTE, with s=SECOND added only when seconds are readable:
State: h=9 m=9
